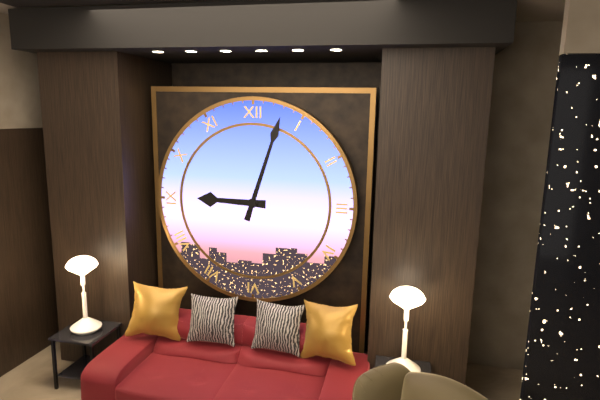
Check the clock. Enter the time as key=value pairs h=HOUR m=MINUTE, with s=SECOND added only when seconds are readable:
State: h=9 m=3
